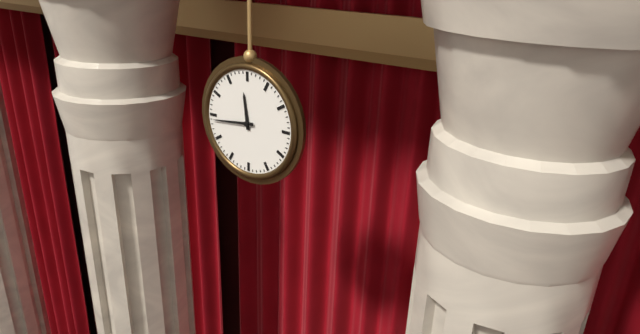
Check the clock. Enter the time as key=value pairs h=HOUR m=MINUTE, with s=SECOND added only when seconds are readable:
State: h=11 m=44
